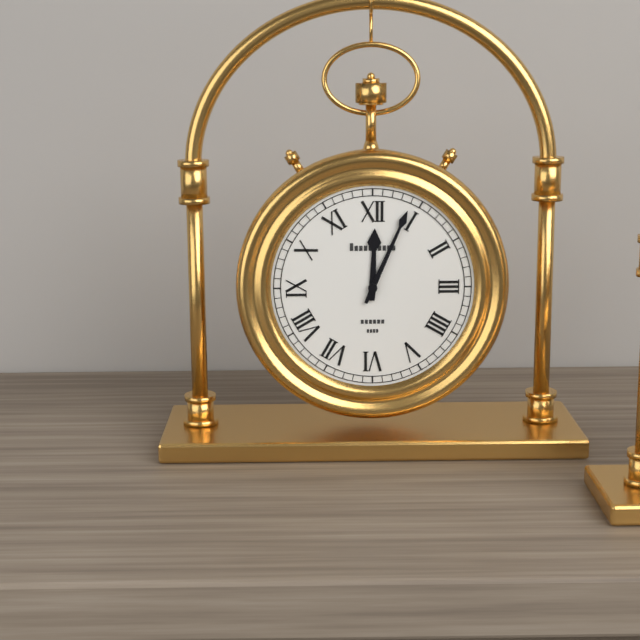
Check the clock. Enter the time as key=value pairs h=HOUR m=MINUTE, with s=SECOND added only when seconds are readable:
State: h=12 m=4
